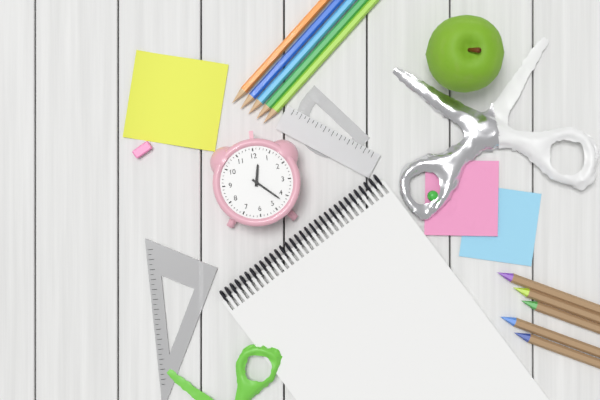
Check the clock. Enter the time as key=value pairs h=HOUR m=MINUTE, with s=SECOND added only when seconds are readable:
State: h=12 m=22
